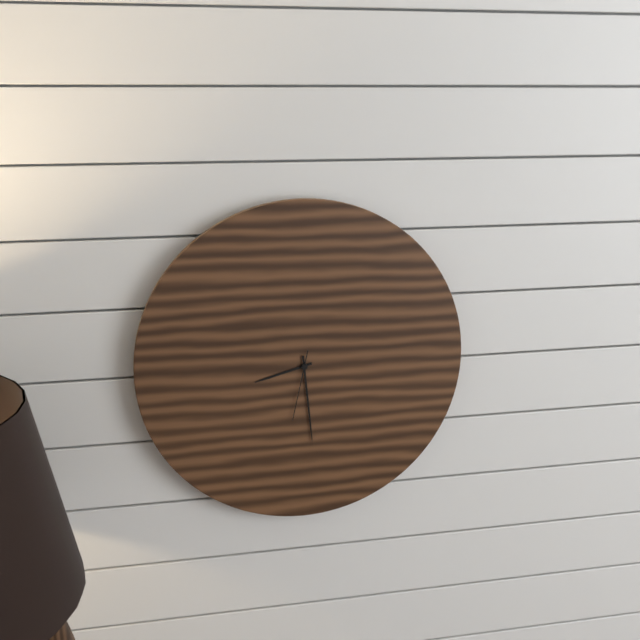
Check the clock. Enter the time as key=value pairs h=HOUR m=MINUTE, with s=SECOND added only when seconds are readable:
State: h=8 m=29 s=32
